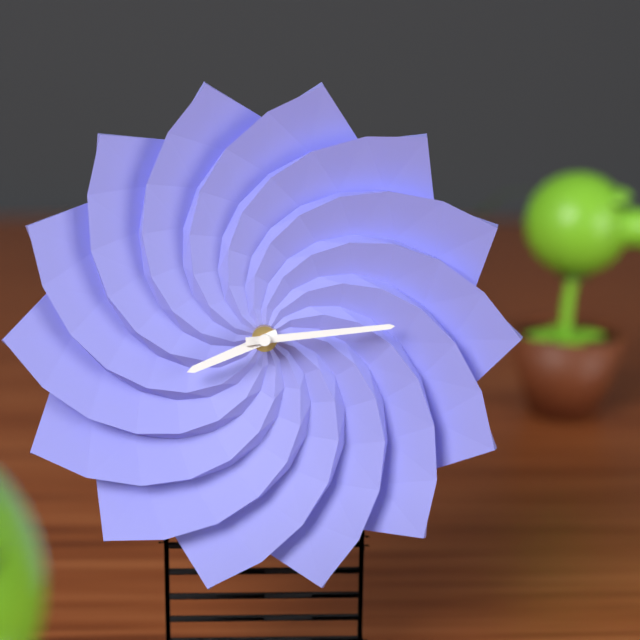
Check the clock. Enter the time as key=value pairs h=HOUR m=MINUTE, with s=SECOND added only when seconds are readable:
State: h=8 m=14
